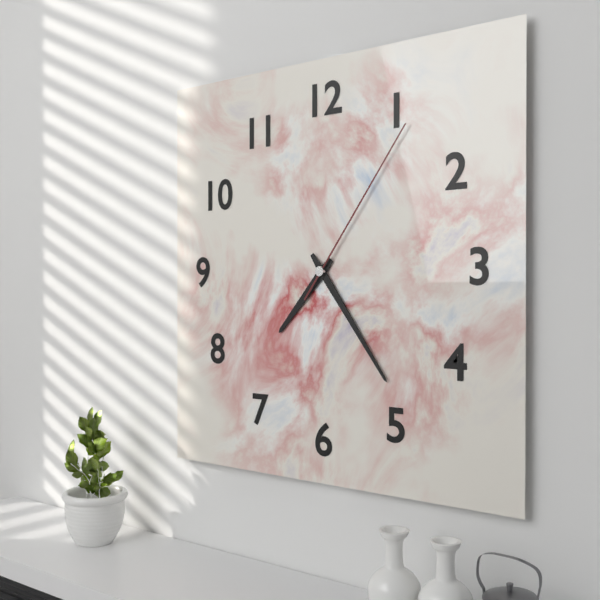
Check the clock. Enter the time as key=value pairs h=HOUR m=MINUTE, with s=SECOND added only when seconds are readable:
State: h=7 m=24 s=6
